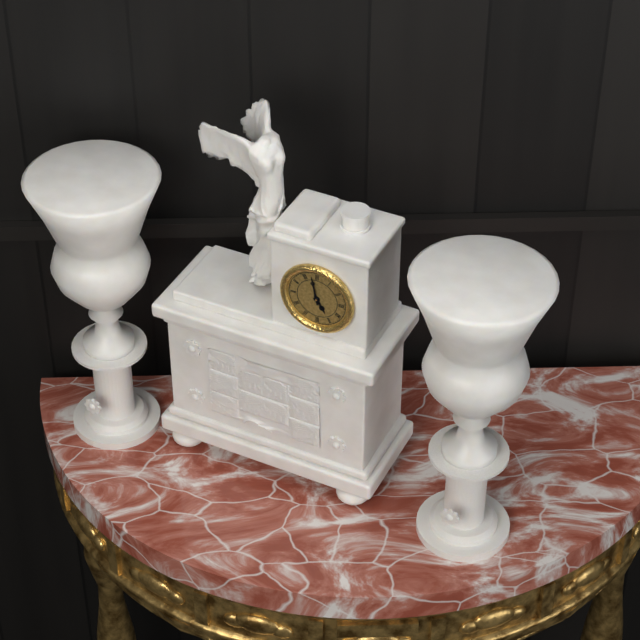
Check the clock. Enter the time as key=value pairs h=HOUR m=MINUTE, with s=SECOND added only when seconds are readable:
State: h=4 m=58
